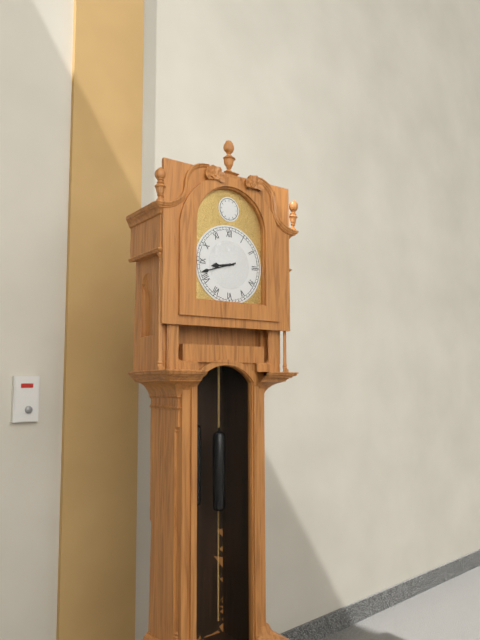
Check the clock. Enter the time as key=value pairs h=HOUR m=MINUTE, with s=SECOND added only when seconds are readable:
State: h=8 m=42
